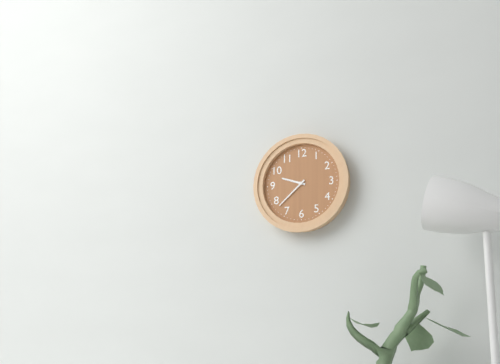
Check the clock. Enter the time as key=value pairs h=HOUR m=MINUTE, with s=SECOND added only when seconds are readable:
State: h=9 m=38
